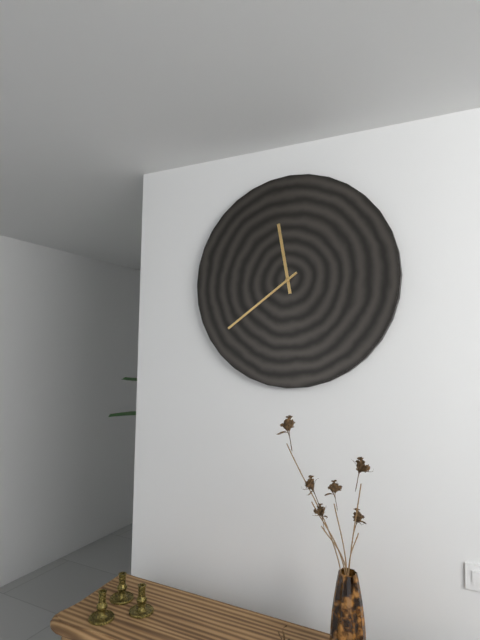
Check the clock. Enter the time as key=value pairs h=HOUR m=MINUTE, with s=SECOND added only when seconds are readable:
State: h=11 m=39
